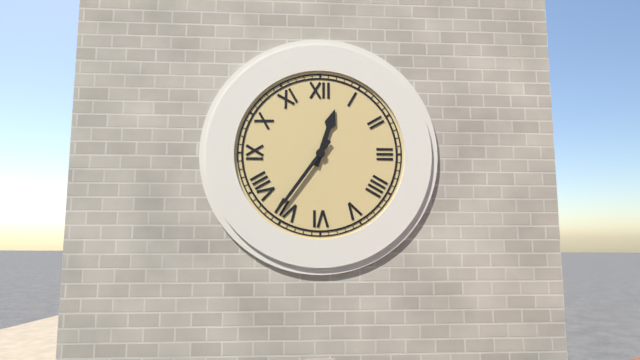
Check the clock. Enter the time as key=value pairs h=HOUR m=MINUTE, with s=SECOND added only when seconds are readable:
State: h=12 m=36
